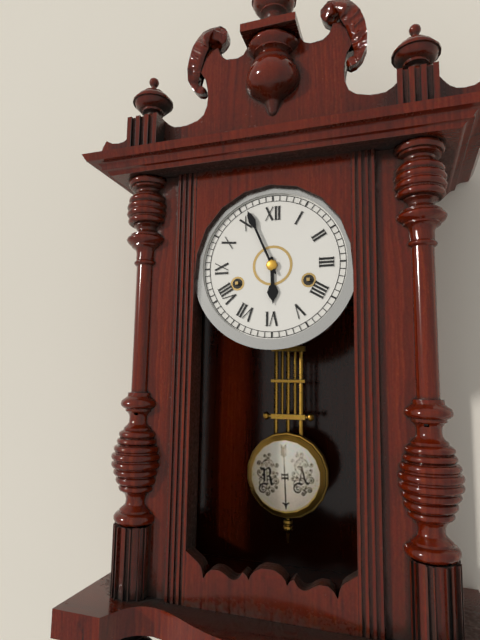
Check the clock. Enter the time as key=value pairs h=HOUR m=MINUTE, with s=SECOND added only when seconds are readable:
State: h=5 m=56
